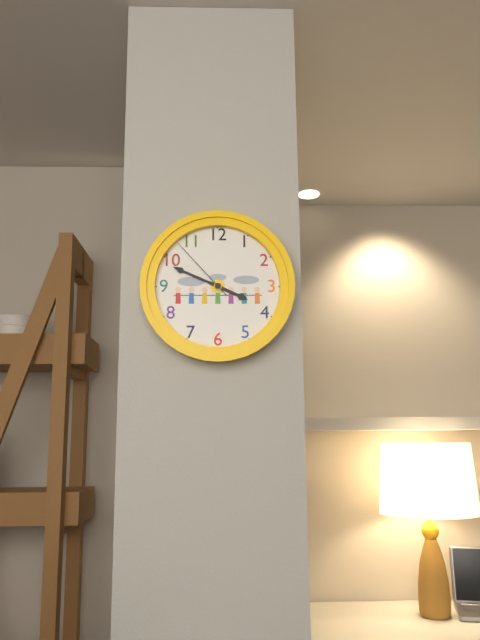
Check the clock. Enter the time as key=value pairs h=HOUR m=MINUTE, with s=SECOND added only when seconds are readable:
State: h=3 m=49 s=53
